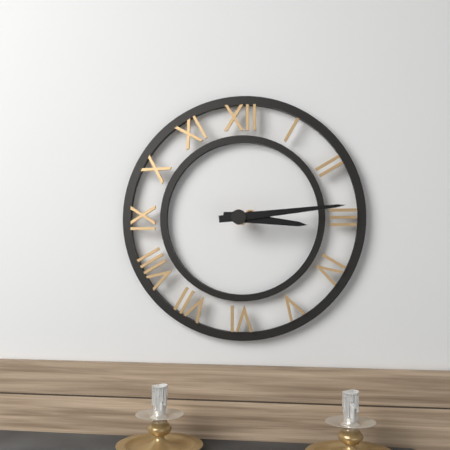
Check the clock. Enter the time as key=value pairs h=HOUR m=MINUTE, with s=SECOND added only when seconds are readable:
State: h=3 m=14
